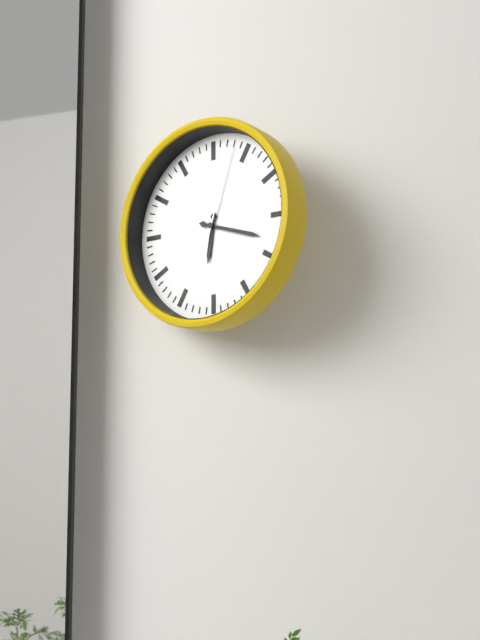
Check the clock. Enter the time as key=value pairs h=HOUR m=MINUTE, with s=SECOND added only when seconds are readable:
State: h=6 m=18 s=3
